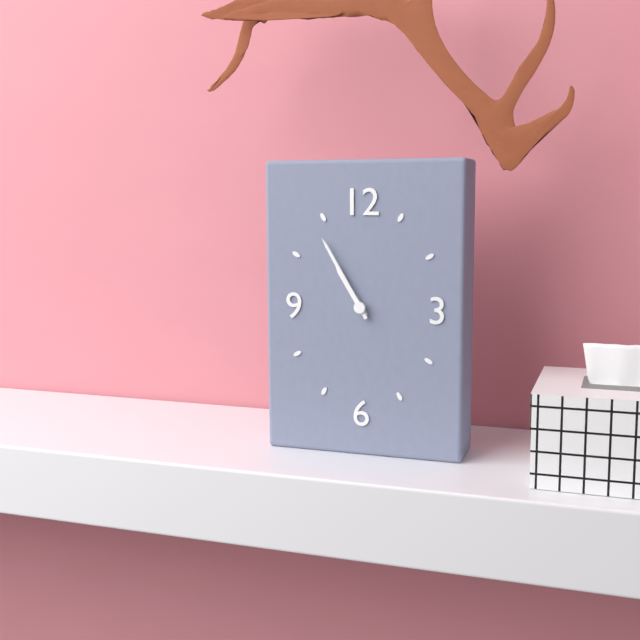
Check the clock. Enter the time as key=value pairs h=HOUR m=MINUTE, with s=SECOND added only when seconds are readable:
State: h=10 m=55
